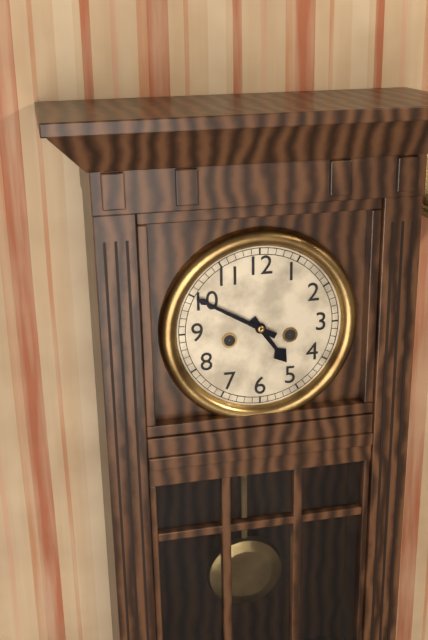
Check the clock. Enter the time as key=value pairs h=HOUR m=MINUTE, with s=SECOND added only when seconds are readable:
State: h=4 m=50
